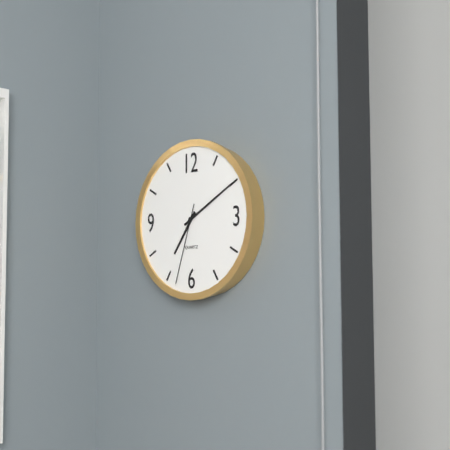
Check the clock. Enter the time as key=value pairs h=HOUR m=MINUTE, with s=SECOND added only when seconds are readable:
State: h=7 m=10 s=33
